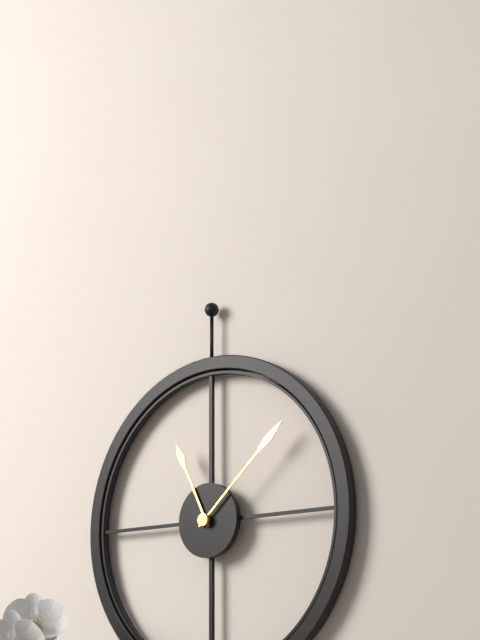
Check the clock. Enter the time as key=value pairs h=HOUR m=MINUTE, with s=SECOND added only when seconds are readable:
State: h=11 m=8
